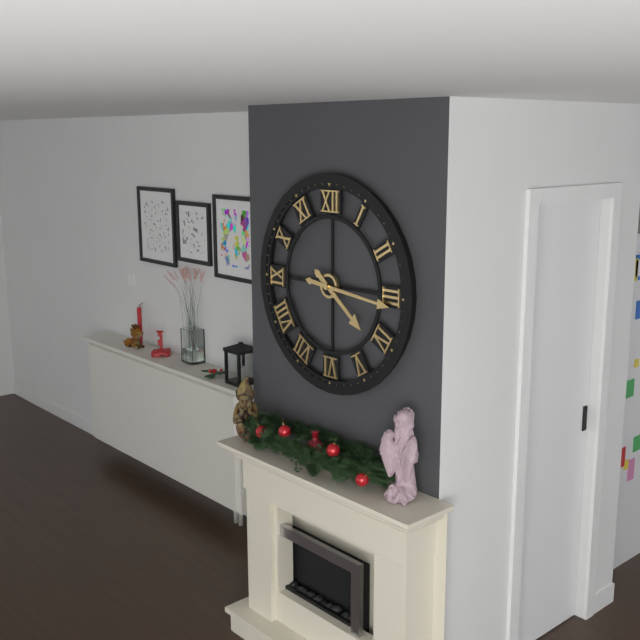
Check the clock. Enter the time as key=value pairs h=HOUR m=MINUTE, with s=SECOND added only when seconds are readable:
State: h=4 m=16
